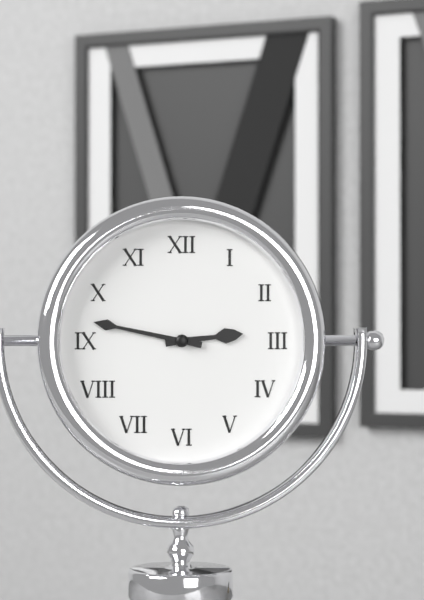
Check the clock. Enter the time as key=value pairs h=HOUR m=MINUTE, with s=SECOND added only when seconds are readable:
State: h=2 m=47
